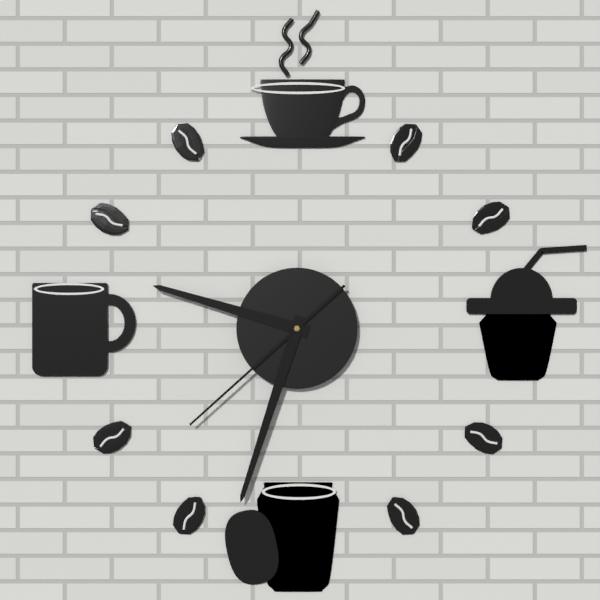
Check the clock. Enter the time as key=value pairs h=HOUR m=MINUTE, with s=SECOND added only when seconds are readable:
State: h=9 m=33 s=38
